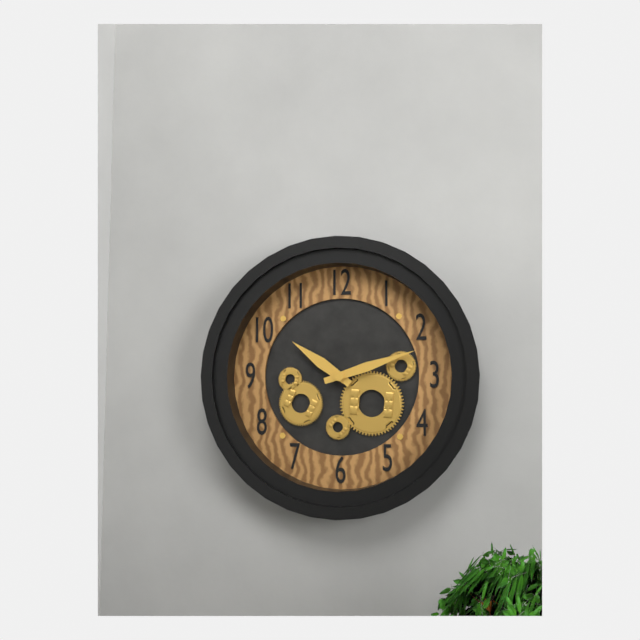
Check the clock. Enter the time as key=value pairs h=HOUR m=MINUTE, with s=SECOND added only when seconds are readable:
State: h=10 m=12
